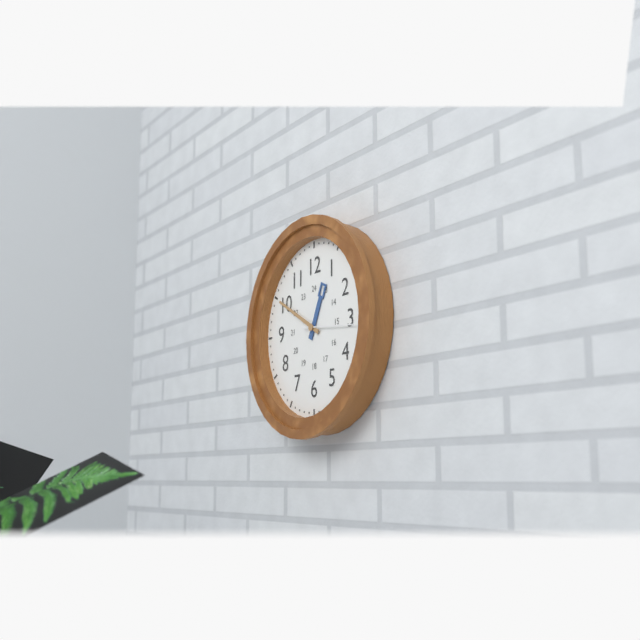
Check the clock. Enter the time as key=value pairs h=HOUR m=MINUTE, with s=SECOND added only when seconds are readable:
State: h=12 m=50 s=16
